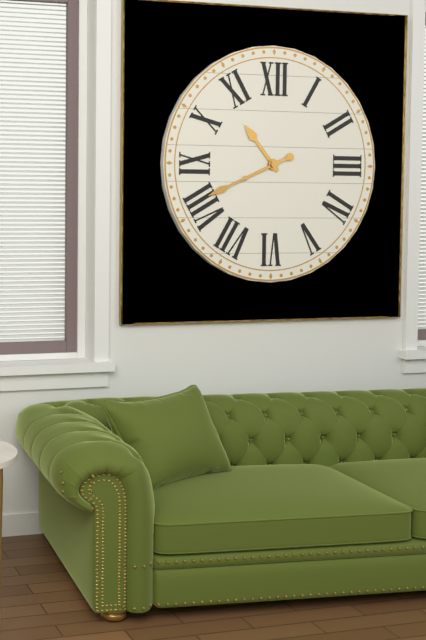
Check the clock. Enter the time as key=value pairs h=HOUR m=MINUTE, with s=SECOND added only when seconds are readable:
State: h=10 m=41
